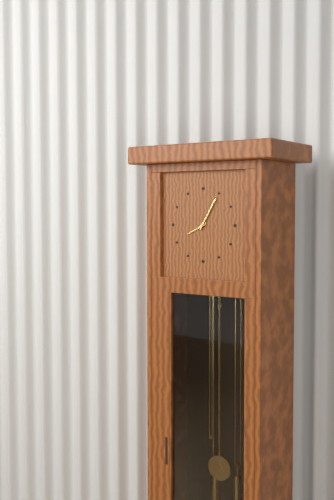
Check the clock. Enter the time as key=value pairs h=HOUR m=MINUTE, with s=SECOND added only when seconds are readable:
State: h=8 m=5
